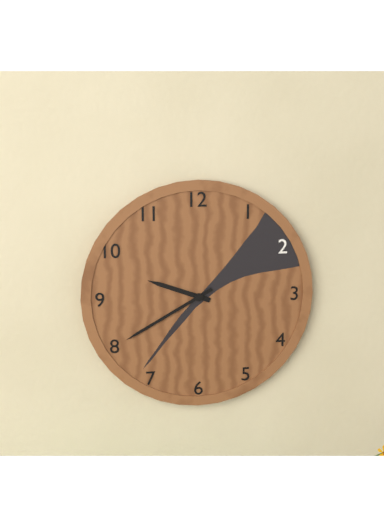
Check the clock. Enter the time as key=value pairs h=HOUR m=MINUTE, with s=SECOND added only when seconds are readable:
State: h=9 m=40
